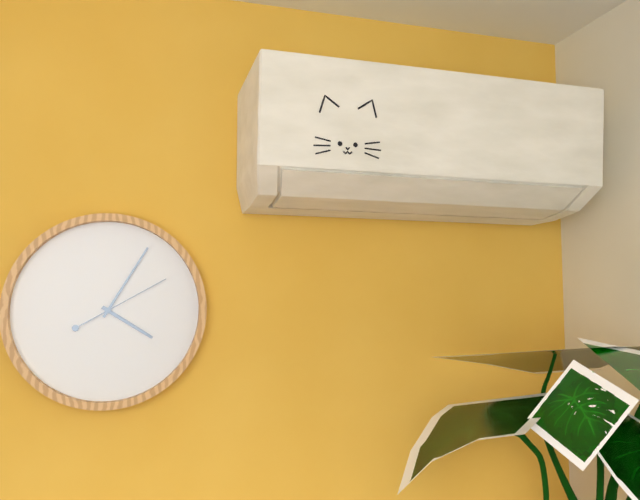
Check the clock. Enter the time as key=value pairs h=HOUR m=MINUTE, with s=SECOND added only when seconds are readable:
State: h=4 m=5 s=10
